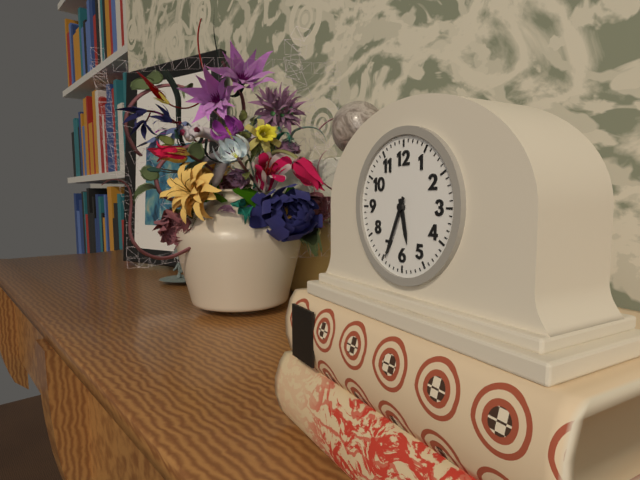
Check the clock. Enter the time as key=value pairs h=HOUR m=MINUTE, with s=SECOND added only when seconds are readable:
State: h=5 m=34
